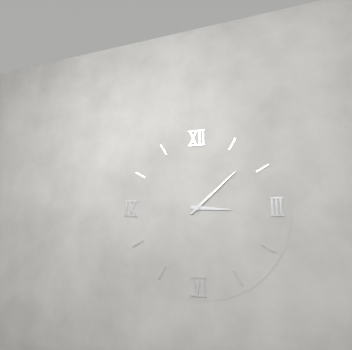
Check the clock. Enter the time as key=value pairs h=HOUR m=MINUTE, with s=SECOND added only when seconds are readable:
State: h=3 m=8
